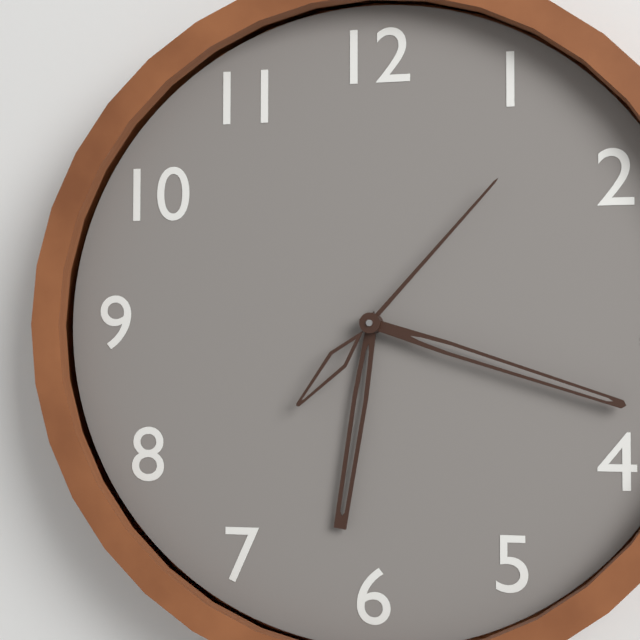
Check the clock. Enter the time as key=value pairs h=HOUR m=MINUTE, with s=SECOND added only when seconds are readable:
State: h=6 m=18 s=7
